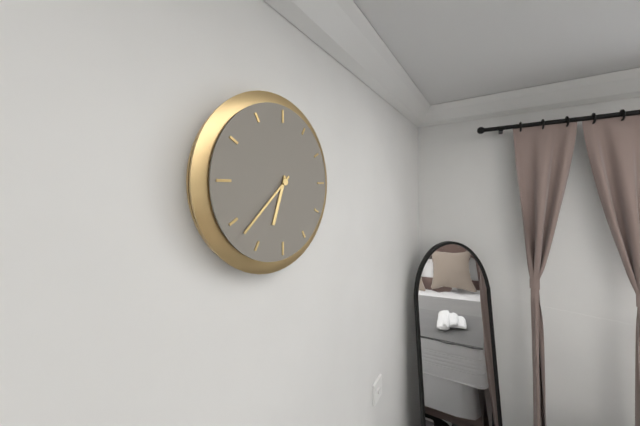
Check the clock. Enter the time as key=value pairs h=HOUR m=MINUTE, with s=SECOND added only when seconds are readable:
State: h=6 m=38
